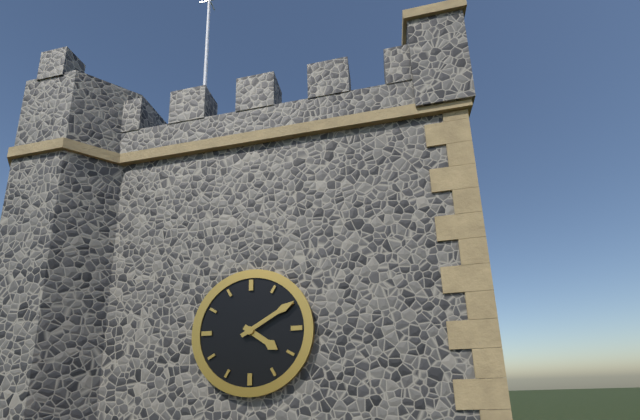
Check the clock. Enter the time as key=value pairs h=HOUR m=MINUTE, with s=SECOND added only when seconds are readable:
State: h=4 m=10
